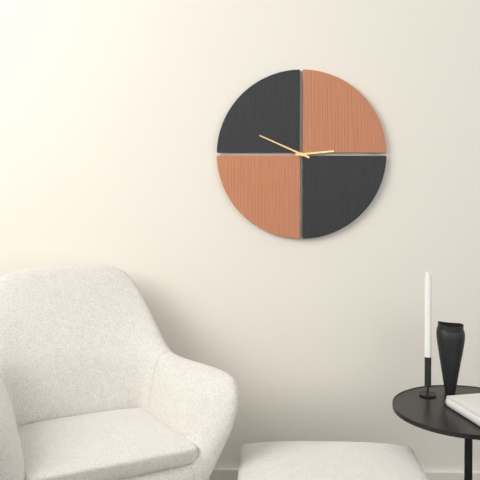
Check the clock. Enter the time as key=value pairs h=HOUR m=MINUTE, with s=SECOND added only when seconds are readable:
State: h=2 m=49
